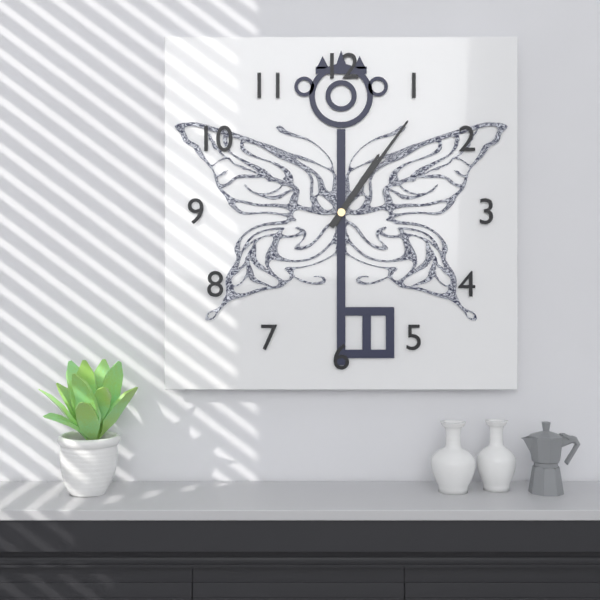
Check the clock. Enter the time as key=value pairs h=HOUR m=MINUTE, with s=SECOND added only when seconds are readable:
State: h=1 m=6
